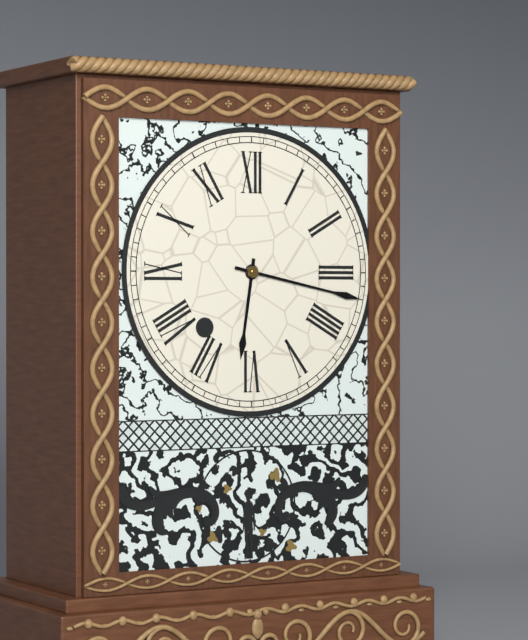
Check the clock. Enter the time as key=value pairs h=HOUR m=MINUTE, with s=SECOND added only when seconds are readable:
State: h=6 m=17
